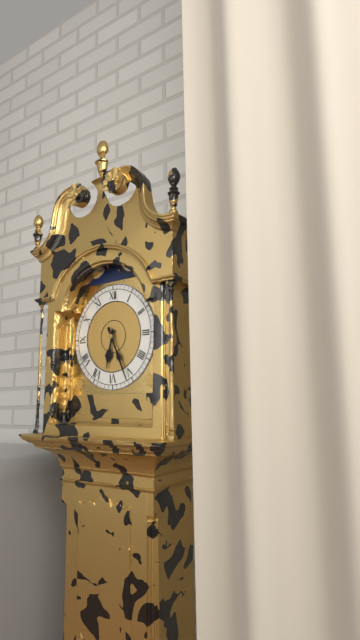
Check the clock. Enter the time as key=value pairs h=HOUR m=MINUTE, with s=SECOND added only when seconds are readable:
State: h=6 m=26
